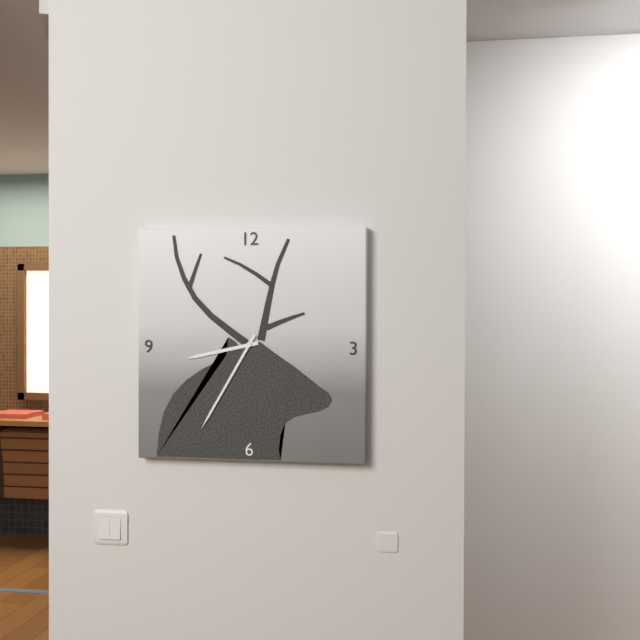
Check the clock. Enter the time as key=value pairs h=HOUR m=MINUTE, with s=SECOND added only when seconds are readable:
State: h=8 m=35
